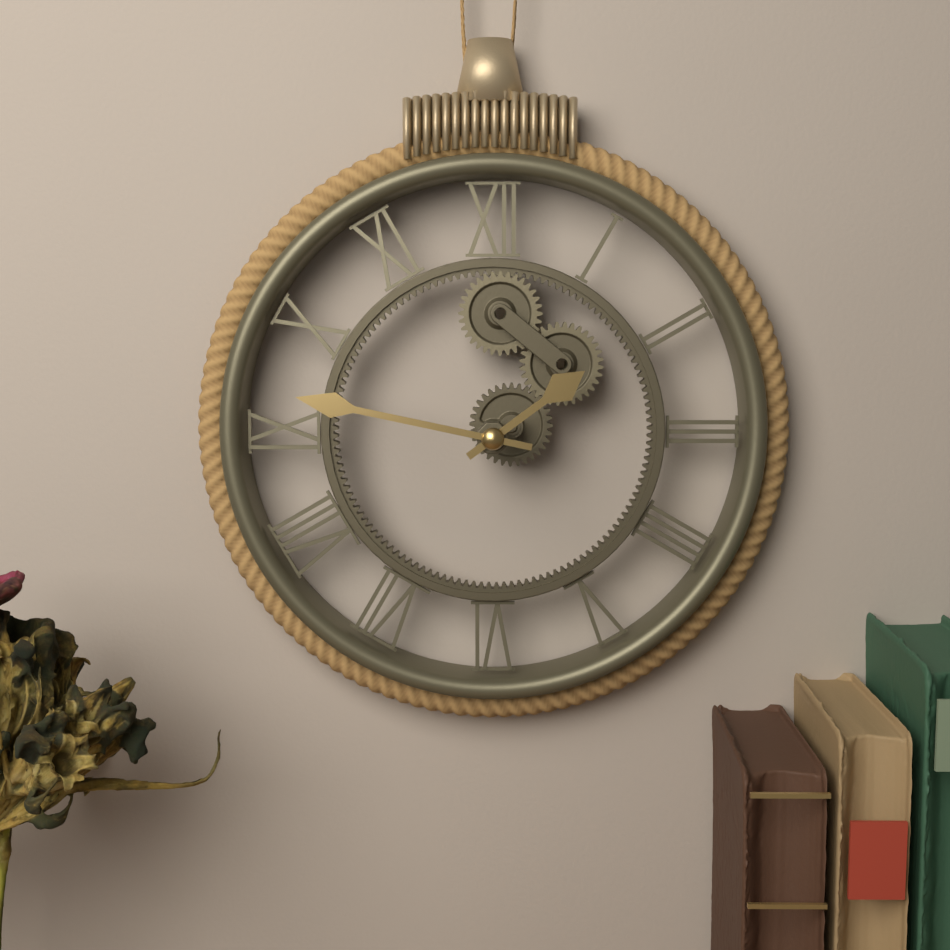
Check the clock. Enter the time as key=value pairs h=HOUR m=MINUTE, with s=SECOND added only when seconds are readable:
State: h=1 m=47
